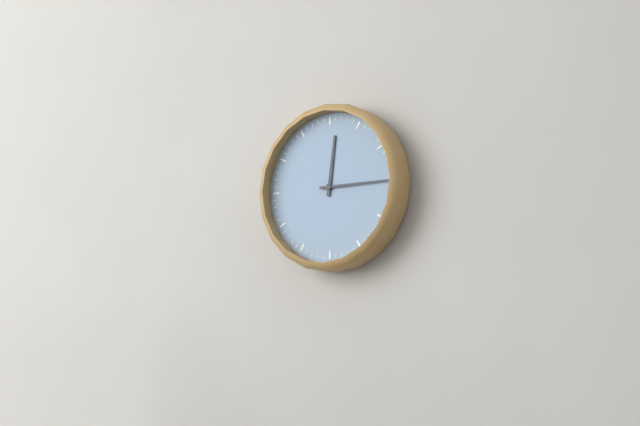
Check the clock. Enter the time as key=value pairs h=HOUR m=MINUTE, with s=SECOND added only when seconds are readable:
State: h=12 m=15
